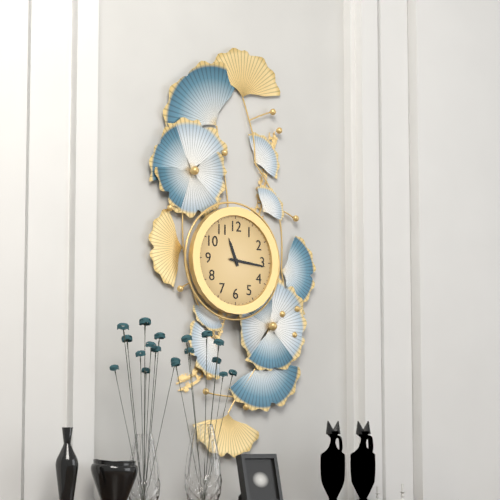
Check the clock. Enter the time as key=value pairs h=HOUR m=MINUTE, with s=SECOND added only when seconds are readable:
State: h=11 m=16
